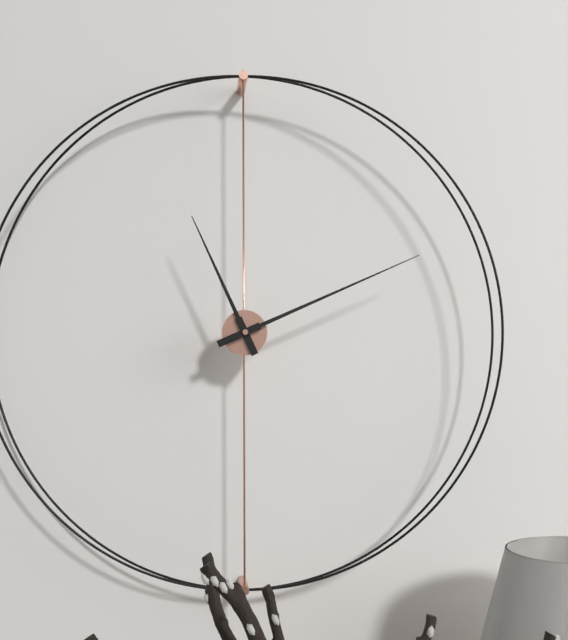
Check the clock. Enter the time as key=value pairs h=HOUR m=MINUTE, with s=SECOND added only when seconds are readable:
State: h=11 m=11
